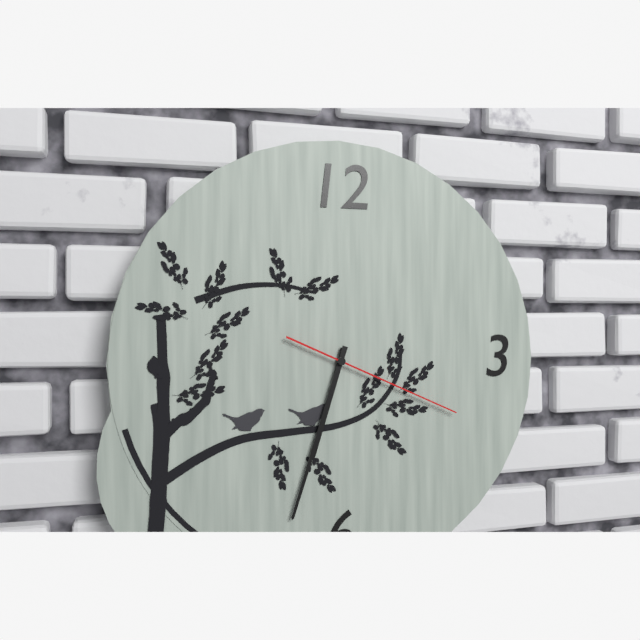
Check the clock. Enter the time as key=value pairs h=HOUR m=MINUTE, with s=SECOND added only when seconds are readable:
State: h=6 m=33 s=19
